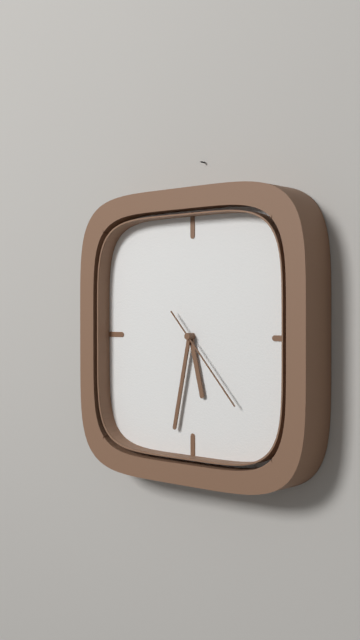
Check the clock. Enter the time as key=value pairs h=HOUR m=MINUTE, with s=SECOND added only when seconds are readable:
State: h=5 m=32 s=23
